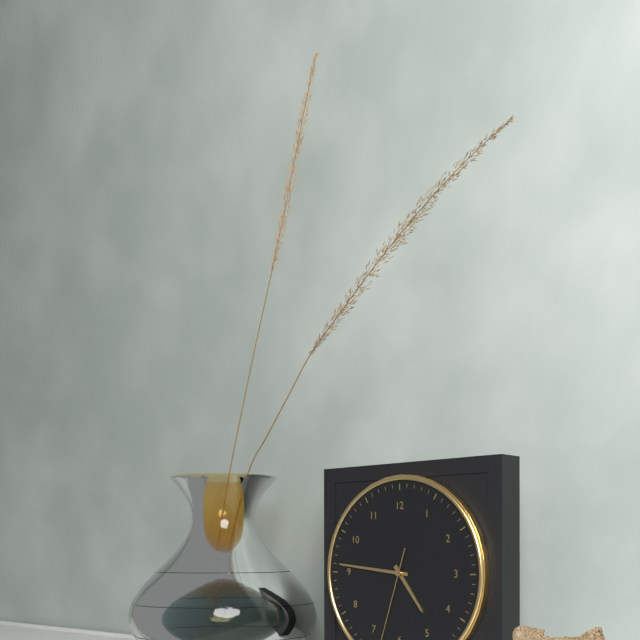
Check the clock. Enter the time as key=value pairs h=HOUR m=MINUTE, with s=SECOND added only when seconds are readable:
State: h=4 m=46
